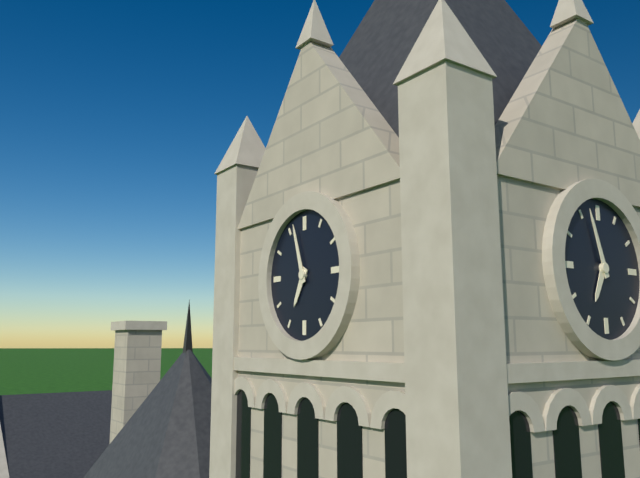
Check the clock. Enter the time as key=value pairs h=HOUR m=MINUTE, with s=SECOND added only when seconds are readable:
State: h=6 m=57
